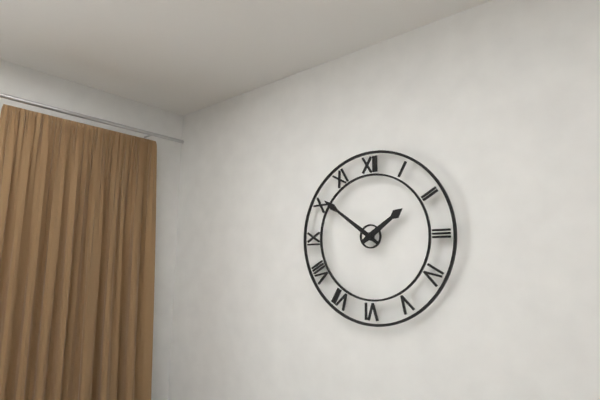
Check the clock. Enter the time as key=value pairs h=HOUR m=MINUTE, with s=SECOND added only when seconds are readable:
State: h=1 m=51
